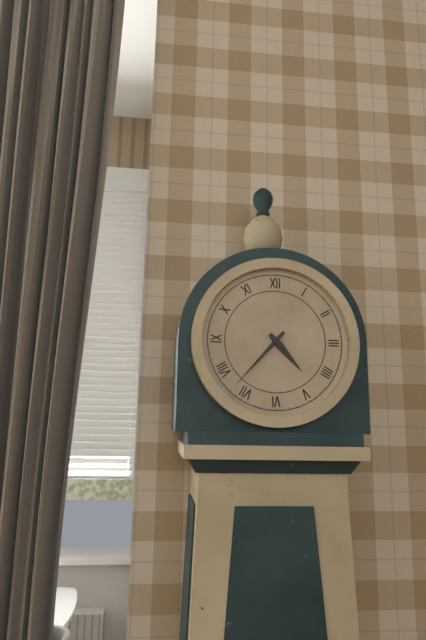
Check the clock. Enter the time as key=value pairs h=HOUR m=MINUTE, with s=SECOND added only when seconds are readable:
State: h=4 m=37
